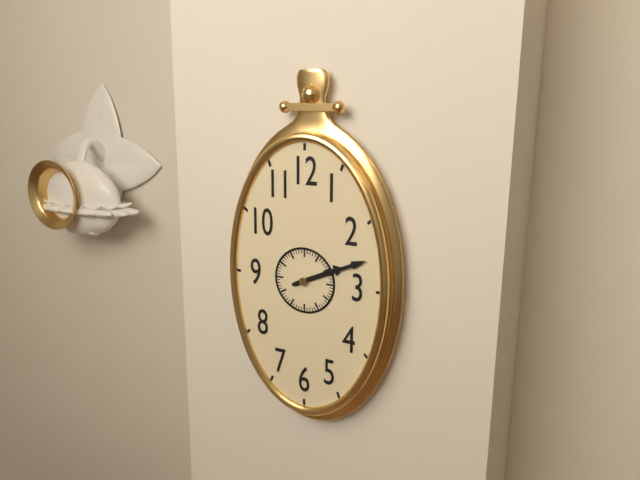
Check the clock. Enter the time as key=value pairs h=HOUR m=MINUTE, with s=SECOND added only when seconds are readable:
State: h=2 m=11
